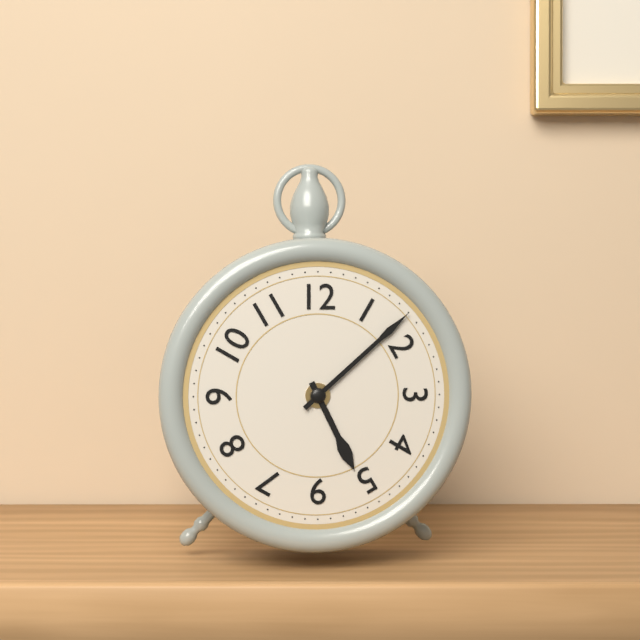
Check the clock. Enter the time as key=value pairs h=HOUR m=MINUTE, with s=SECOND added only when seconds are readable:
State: h=5 m=8
